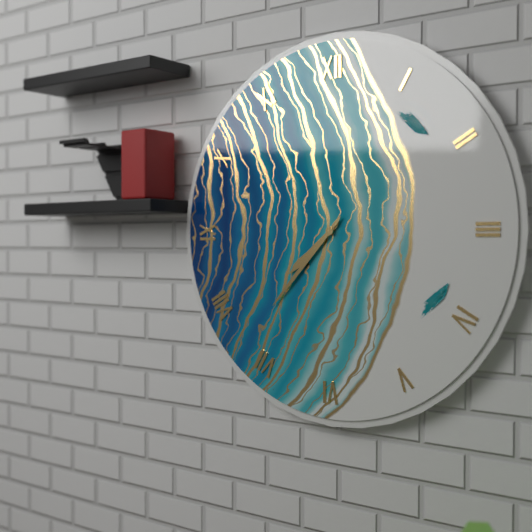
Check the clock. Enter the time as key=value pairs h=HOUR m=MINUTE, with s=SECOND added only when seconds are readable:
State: h=7 m=37
